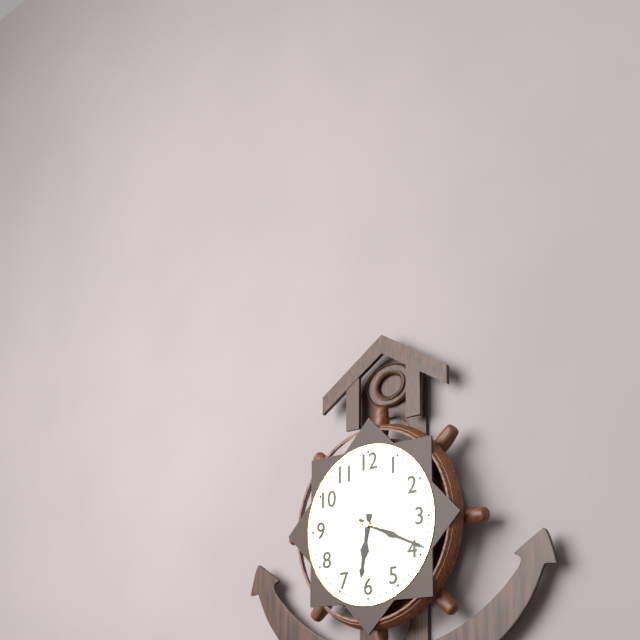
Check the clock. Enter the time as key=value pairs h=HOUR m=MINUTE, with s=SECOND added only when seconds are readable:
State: h=6 m=19 s=18
